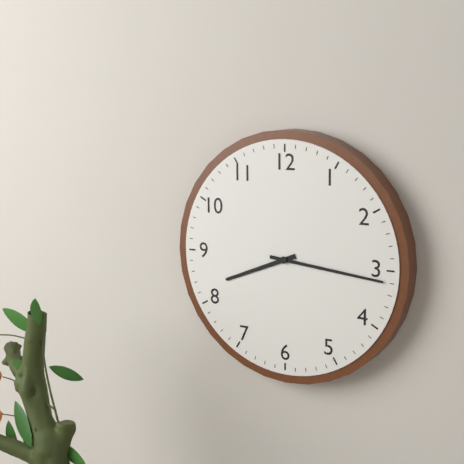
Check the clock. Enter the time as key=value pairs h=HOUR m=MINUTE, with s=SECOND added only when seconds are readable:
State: h=8 m=16
